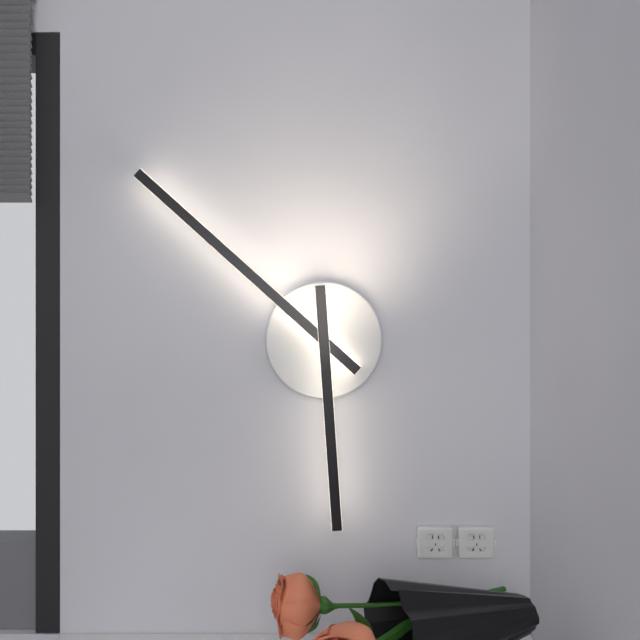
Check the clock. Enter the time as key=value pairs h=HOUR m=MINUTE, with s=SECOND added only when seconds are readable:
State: h=5 m=52
